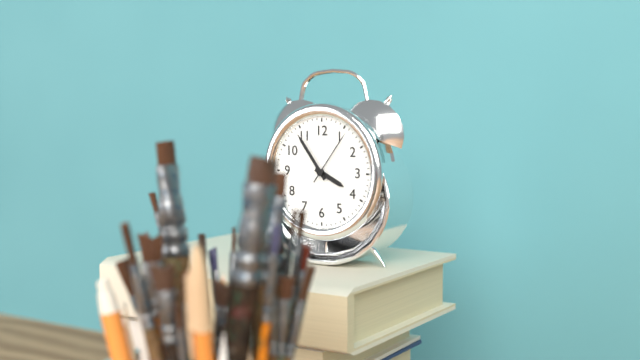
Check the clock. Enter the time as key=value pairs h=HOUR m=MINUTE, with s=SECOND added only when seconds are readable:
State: h=3 m=54 s=6
